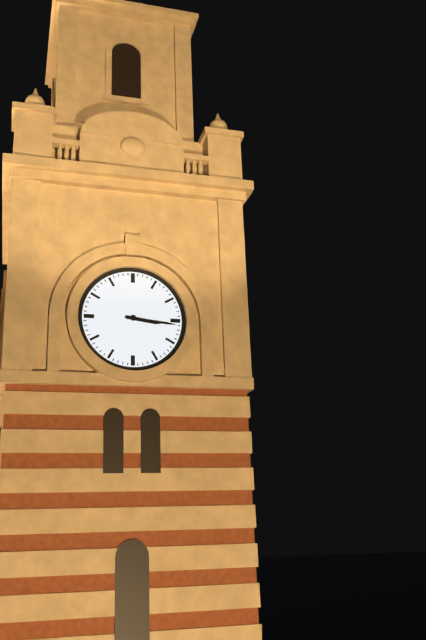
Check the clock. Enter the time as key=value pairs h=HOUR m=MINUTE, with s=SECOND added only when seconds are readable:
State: h=3 m=16
